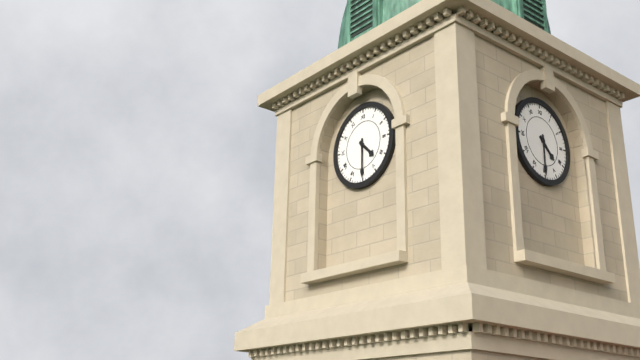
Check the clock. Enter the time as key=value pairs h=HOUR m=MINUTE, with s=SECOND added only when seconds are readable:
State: h=4 m=30
